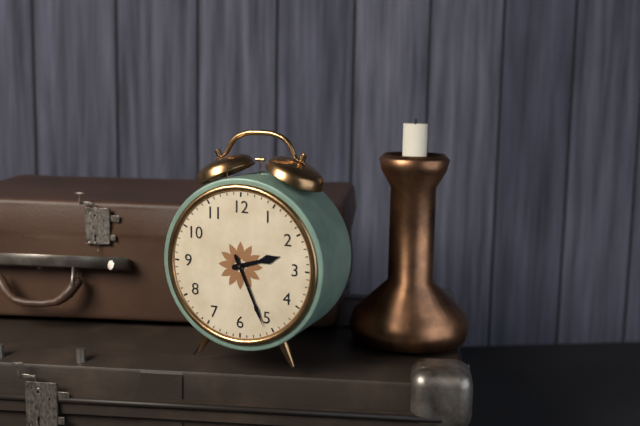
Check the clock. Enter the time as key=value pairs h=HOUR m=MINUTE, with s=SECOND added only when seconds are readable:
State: h=2 m=26
